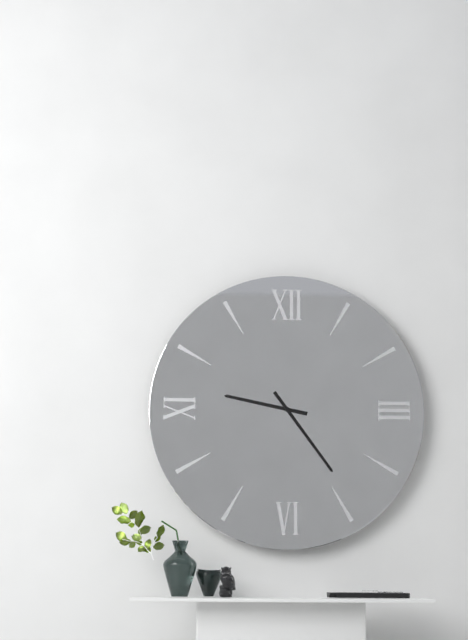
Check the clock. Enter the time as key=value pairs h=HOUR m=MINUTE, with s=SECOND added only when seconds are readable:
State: h=9 m=24
